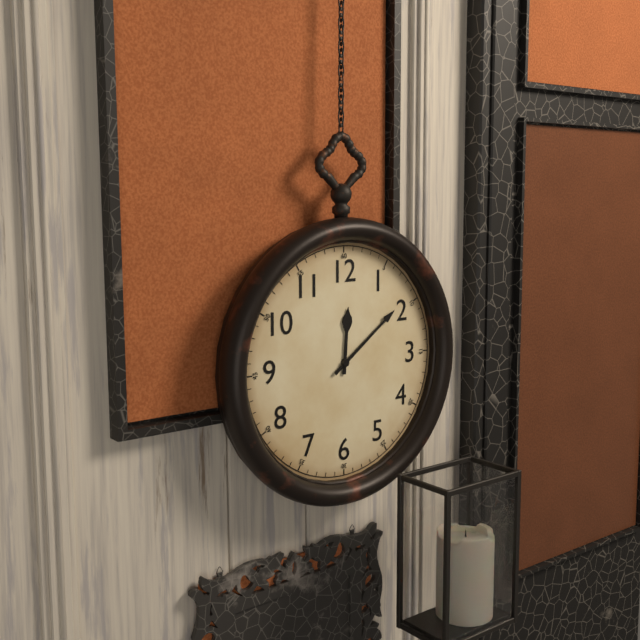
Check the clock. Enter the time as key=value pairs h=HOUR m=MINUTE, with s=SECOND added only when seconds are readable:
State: h=12 m=9
